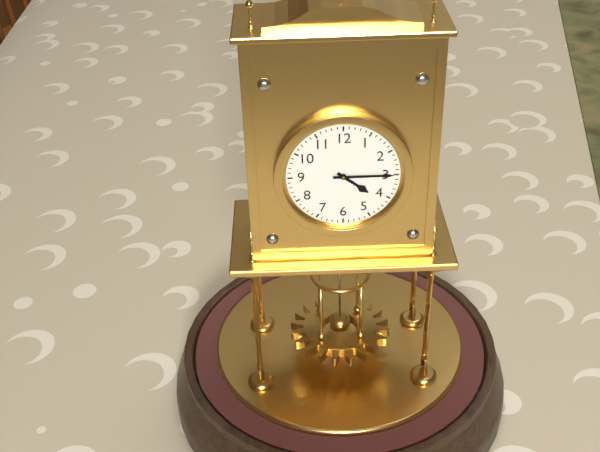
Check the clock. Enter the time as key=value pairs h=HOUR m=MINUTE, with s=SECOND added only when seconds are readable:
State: h=4 m=15
